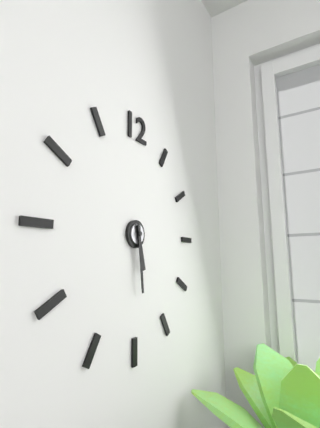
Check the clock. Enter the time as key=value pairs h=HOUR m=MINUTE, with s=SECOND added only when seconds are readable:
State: h=5 m=29
